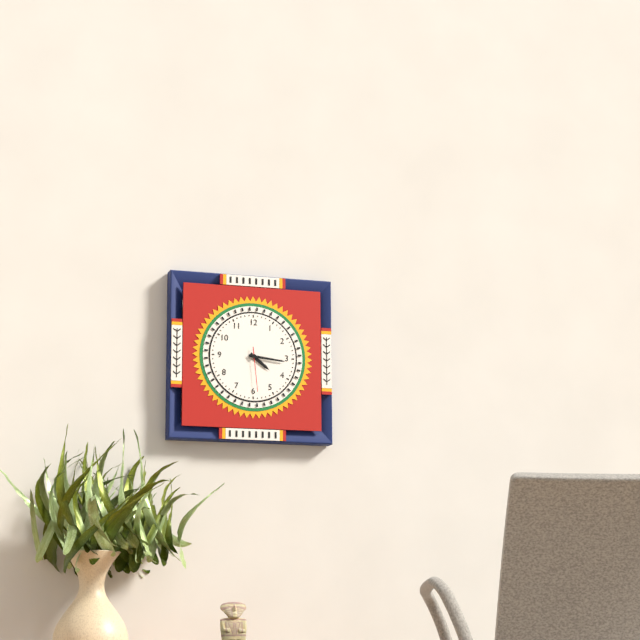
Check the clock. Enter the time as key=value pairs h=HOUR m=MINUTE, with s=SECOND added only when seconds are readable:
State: h=4 m=16
